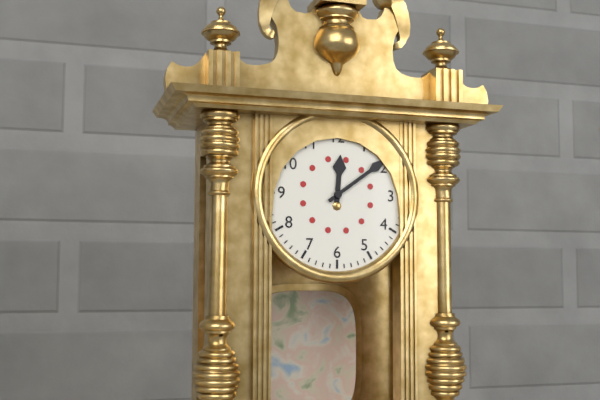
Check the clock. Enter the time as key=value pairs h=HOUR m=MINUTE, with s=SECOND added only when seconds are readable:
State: h=12 m=9
